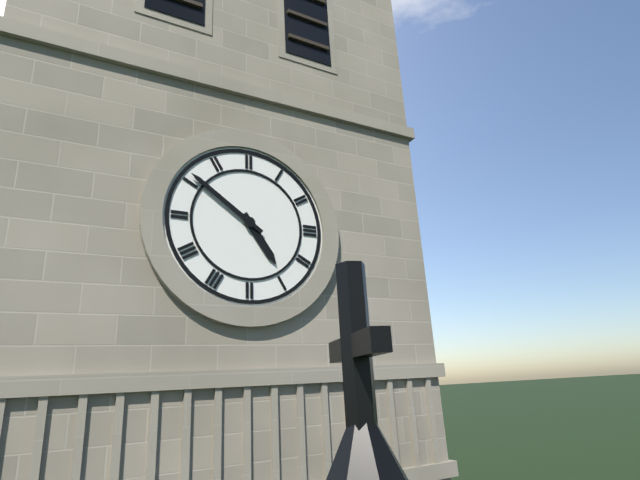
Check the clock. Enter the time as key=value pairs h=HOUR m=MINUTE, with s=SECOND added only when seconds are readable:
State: h=4 m=51
